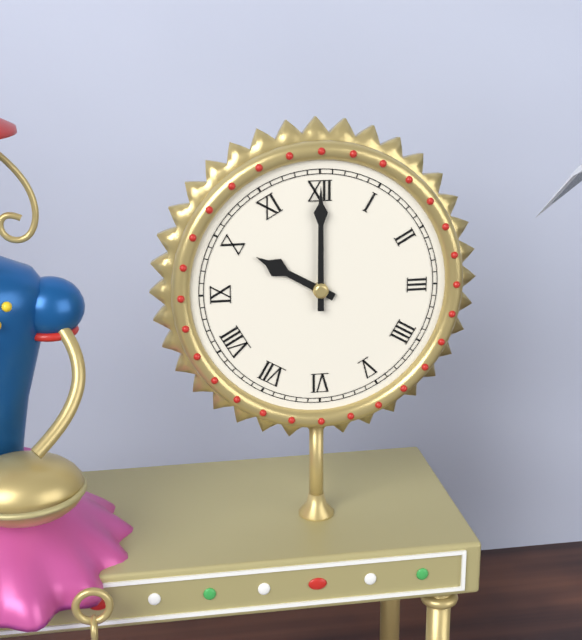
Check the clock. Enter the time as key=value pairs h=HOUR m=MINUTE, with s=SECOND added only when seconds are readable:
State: h=10 m=0
